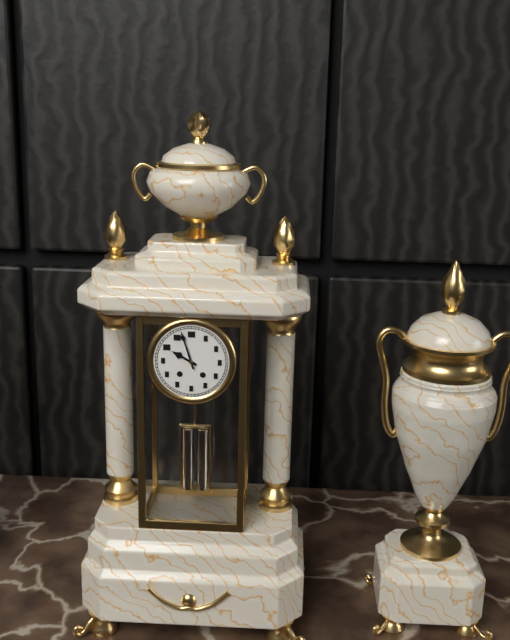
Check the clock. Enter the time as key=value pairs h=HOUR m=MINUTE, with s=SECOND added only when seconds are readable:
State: h=9 m=57
